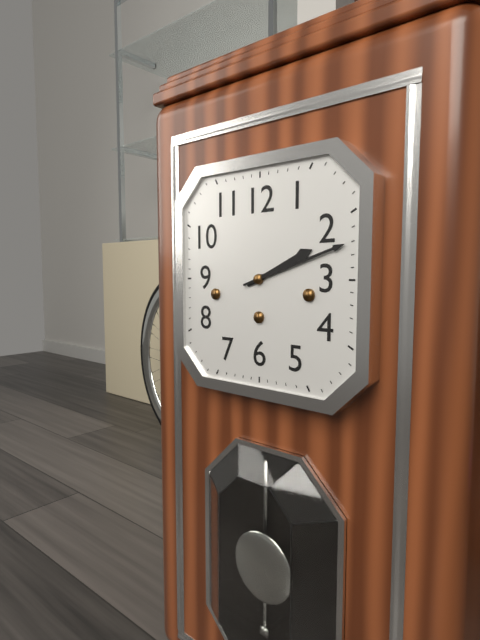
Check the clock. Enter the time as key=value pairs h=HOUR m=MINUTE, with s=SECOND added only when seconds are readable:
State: h=2 m=12
